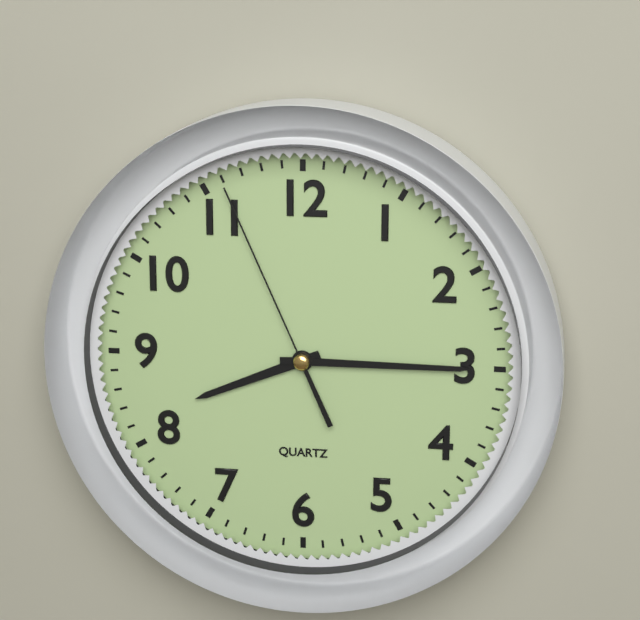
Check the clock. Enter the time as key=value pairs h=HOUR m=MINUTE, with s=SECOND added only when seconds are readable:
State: h=8 m=15 s=56
